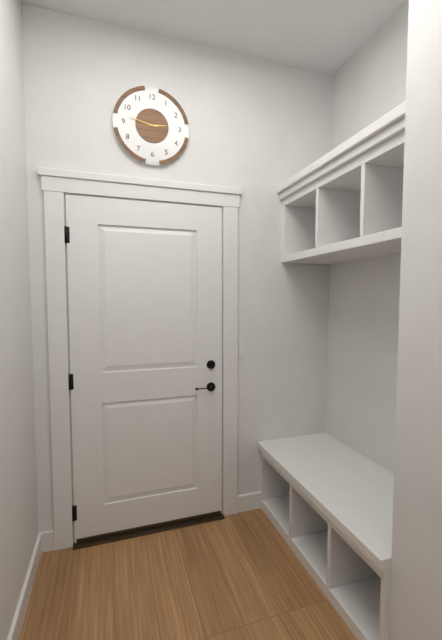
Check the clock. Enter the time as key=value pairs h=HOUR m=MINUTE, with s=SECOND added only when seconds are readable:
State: h=2 m=47
